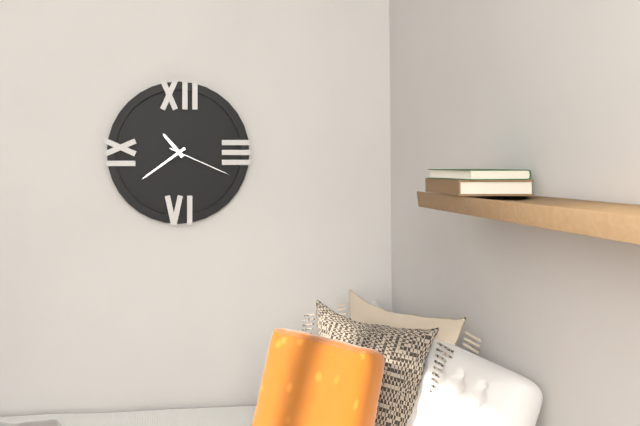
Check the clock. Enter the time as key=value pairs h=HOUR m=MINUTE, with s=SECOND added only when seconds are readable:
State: h=10 m=39 s=19
